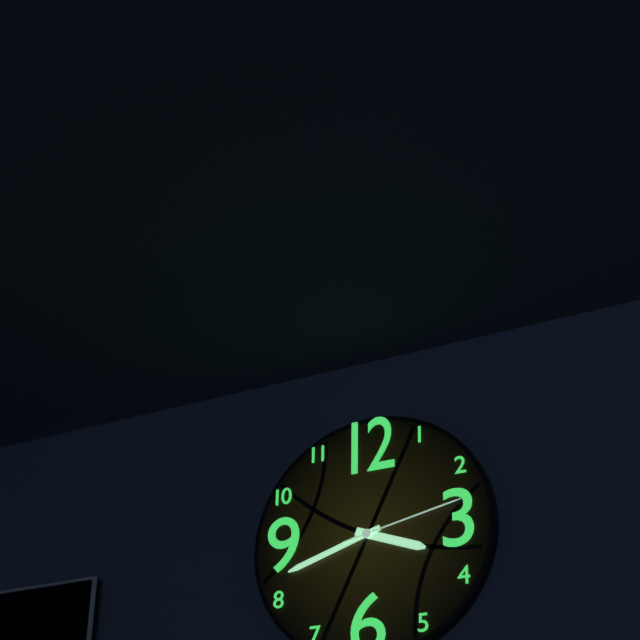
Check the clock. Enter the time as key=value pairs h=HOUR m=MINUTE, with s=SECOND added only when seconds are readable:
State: h=3 m=42 s=13
